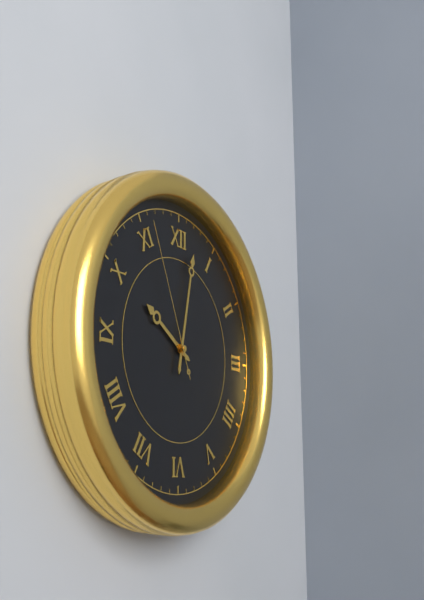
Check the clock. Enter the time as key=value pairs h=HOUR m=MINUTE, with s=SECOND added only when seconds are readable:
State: h=10 m=2 s=56
